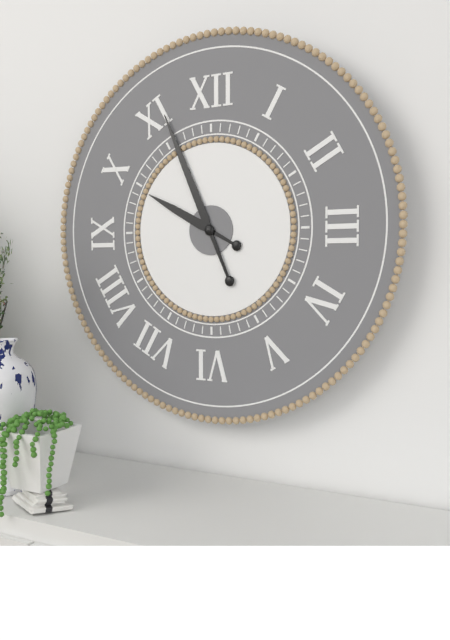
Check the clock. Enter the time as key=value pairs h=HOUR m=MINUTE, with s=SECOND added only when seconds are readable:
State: h=9 m=56
